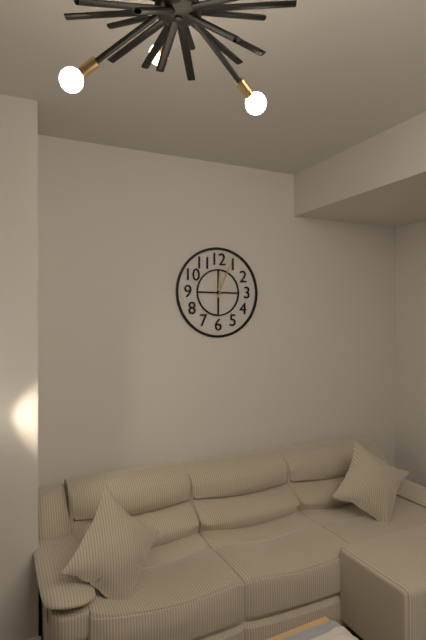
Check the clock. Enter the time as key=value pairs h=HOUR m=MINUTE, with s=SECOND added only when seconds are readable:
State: h=12 m=4
